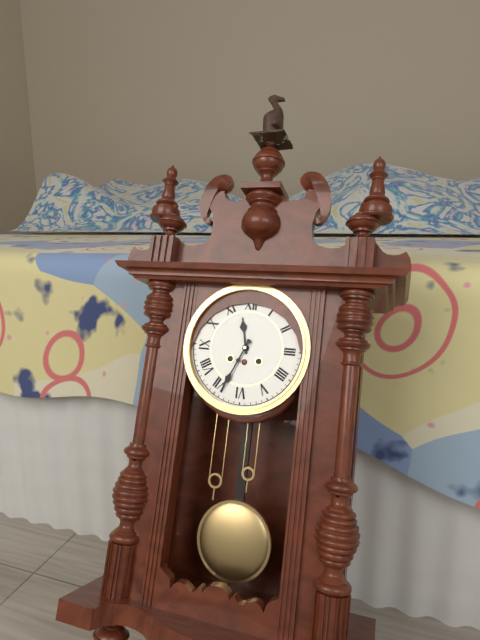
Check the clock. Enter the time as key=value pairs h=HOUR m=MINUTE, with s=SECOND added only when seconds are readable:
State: h=11 m=34
